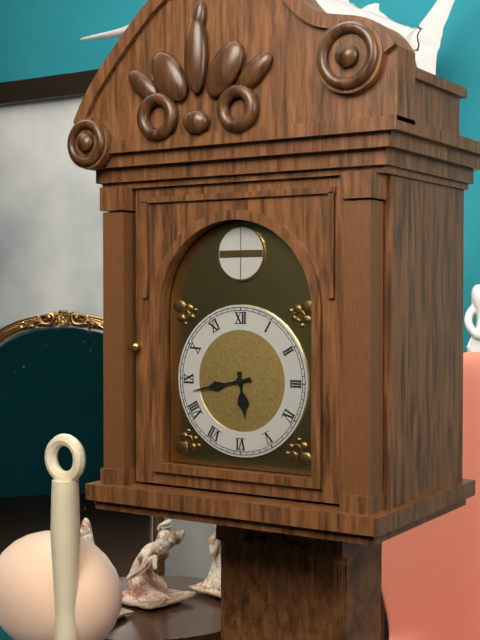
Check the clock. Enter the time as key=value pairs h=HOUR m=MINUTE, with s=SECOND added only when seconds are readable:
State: h=5 m=43
